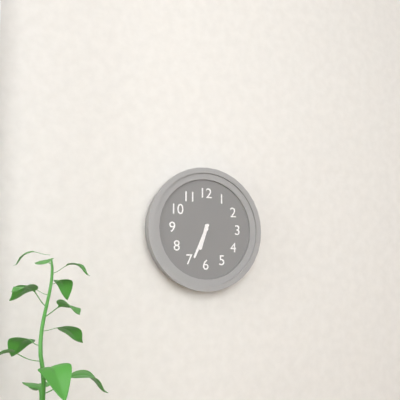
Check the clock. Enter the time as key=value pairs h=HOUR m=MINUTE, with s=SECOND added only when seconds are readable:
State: h=6 m=34
